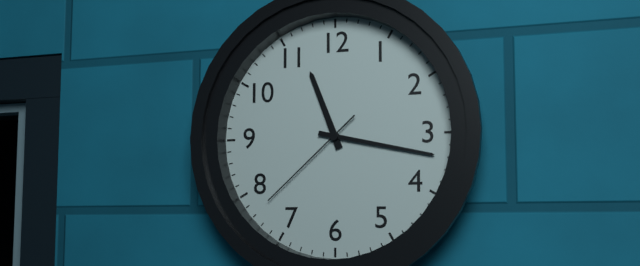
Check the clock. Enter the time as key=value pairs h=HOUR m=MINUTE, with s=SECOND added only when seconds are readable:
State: h=11 m=17 s=38
